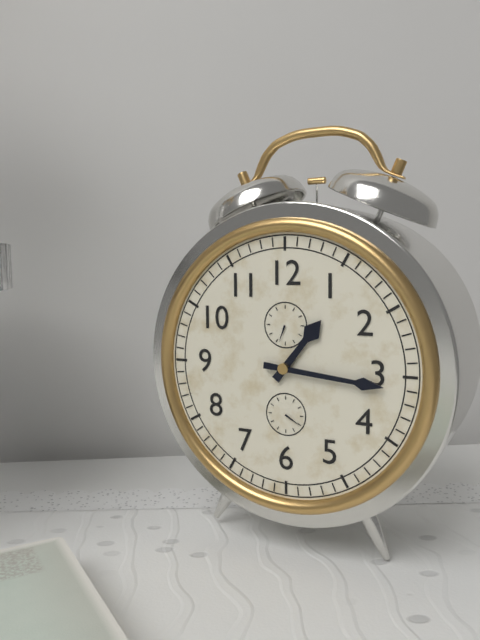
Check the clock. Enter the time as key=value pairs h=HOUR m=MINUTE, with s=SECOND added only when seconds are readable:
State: h=1 m=16
